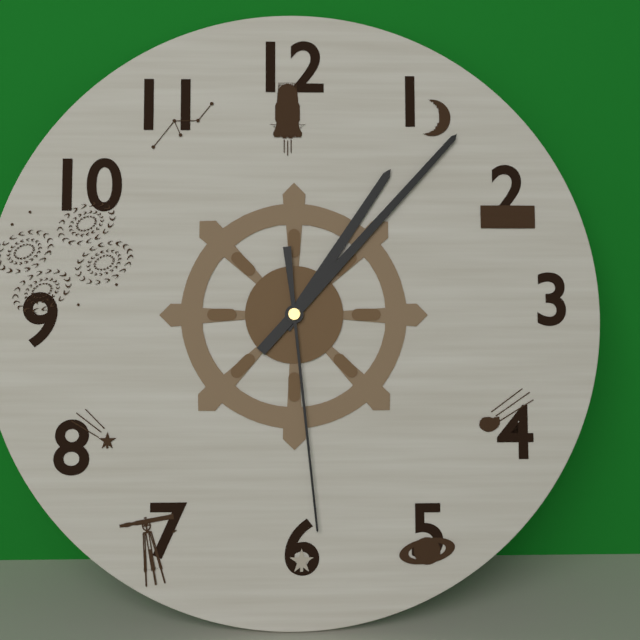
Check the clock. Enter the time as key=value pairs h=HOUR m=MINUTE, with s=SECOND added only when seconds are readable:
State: h=1 m=7 s=29
